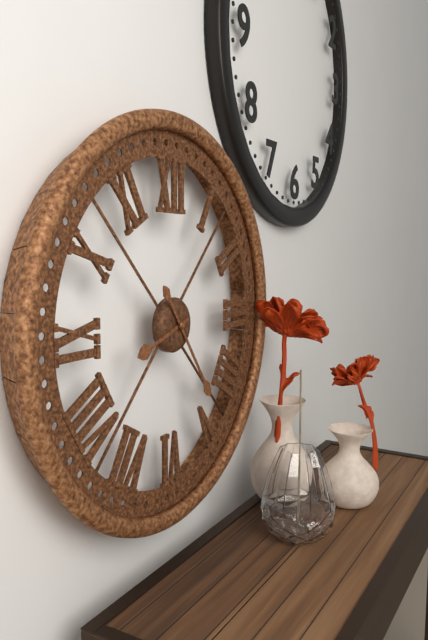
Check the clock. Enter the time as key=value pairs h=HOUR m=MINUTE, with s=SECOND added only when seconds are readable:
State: h=8 m=24
